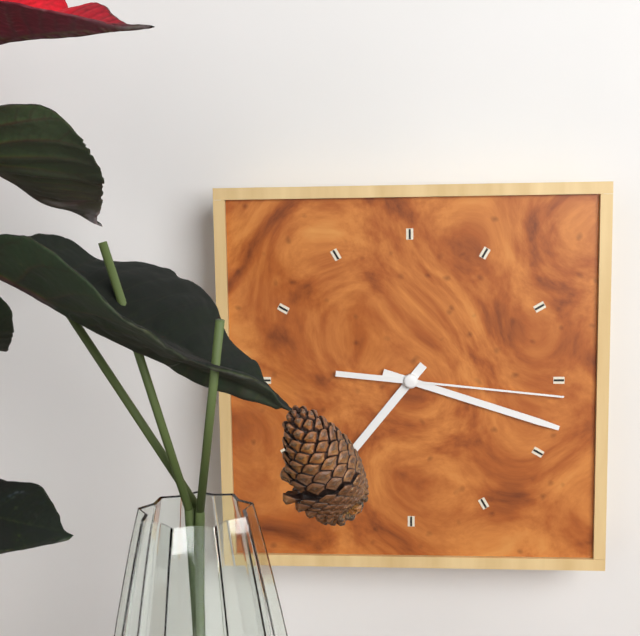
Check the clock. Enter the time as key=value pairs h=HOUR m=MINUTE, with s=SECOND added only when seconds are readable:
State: h=7 m=18 s=16
